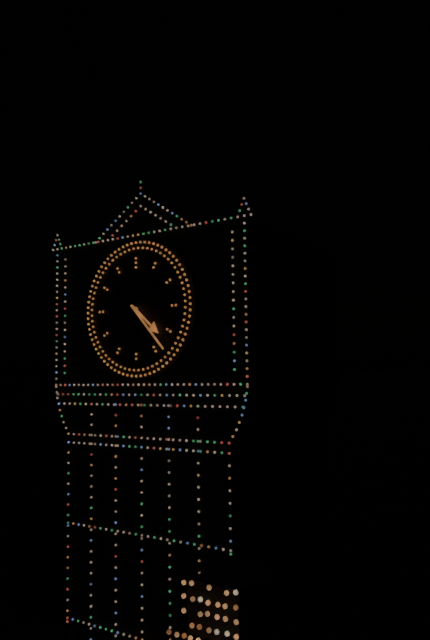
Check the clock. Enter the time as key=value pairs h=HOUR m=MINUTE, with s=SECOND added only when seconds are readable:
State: h=4 m=23
